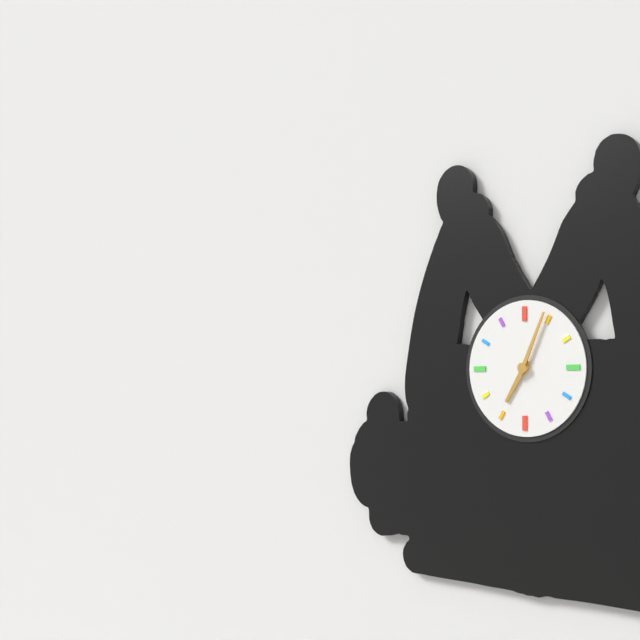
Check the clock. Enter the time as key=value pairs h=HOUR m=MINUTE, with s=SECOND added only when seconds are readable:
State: h=7 m=4
